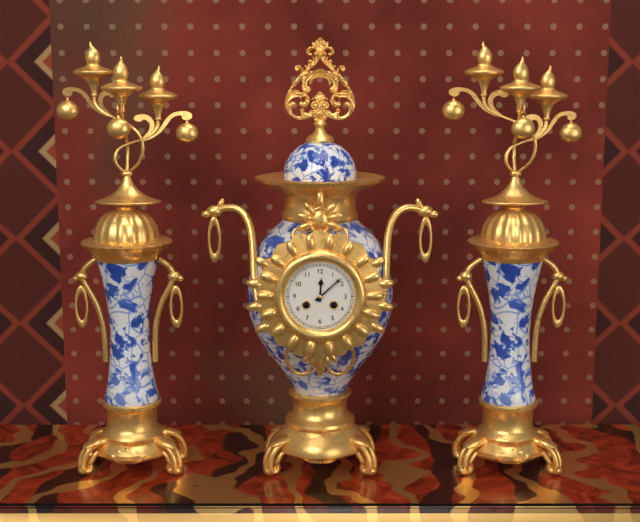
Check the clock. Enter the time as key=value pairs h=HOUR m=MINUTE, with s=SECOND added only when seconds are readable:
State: h=12 m=8
